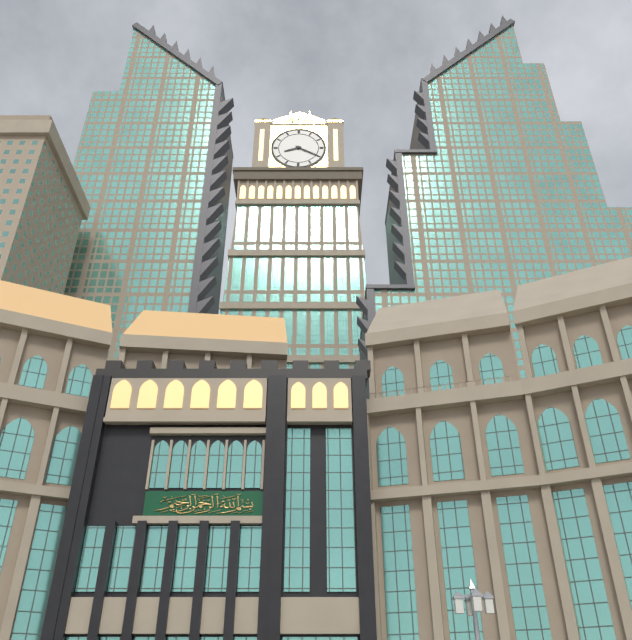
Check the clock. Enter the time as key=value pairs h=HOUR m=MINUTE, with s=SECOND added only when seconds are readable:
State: h=8 m=20
